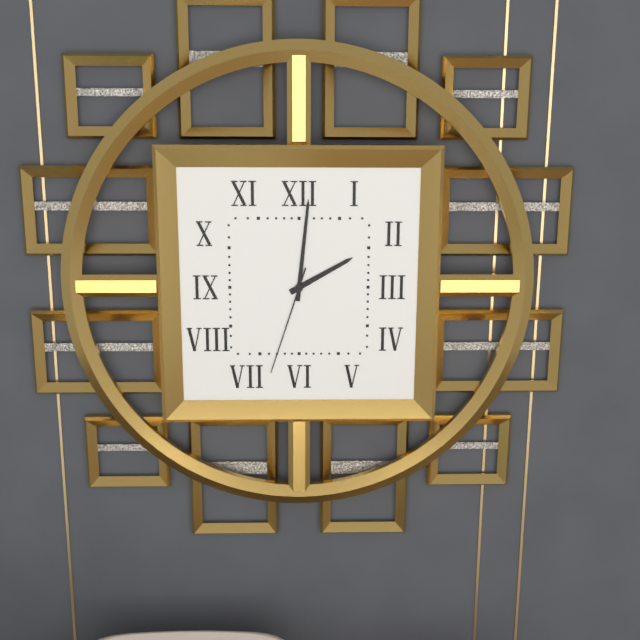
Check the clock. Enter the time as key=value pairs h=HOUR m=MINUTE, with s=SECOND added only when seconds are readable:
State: h=2 m=1 s=33
